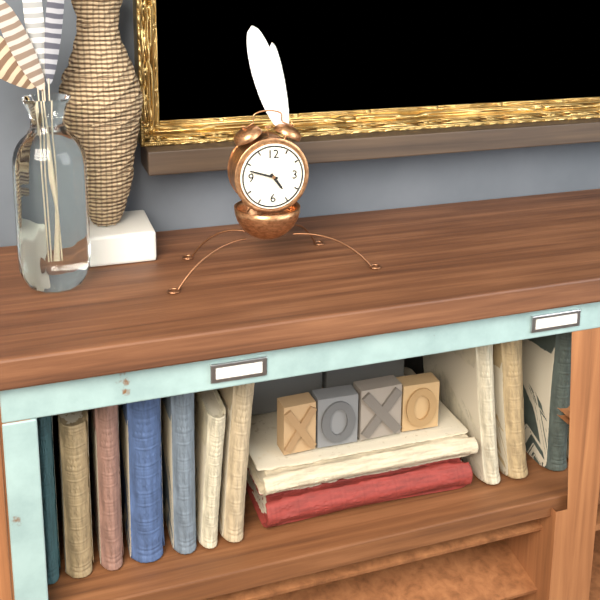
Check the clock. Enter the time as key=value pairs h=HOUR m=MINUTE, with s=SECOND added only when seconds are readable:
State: h=4 m=48
